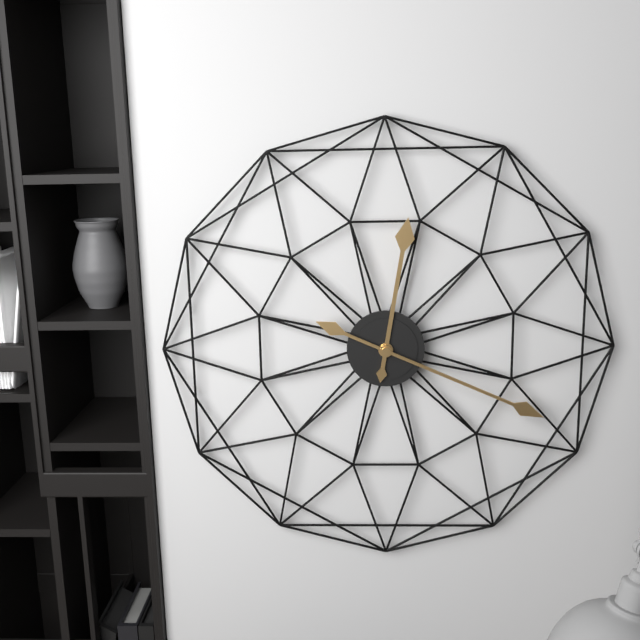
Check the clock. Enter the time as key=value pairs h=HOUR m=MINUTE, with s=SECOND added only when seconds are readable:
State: h=12 m=19
